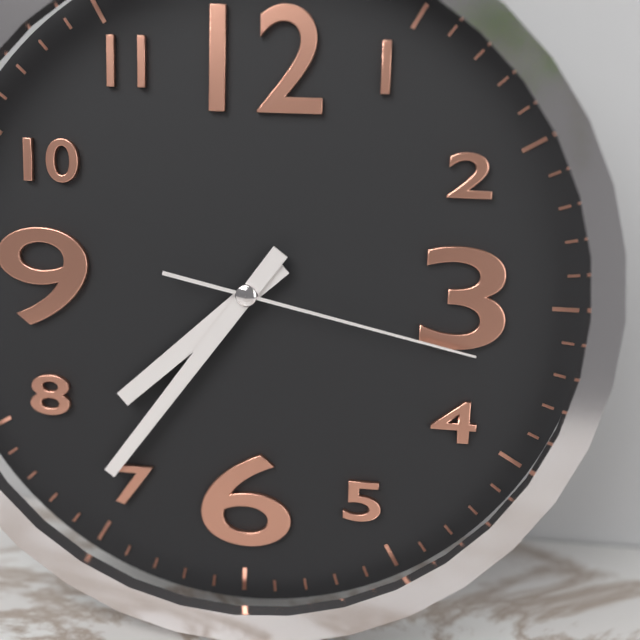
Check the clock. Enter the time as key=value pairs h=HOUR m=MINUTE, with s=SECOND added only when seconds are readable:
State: h=7 m=36 s=17
